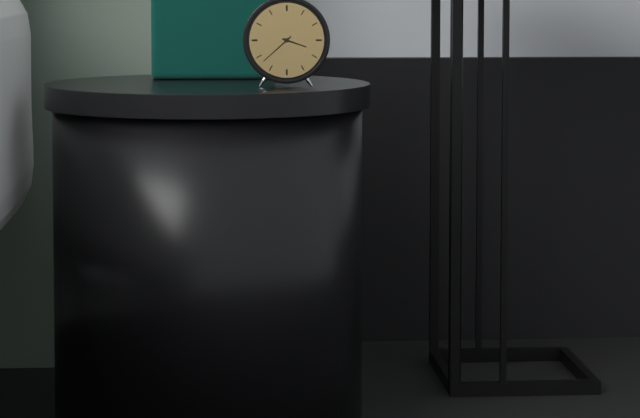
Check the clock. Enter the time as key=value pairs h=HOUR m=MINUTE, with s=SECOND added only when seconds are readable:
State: h=3 m=38
